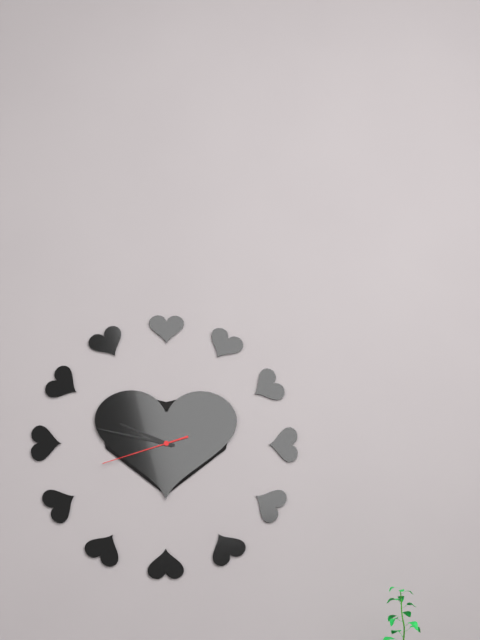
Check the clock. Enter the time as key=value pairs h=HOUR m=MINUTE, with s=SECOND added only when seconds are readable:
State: h=9 m=47 s=42
